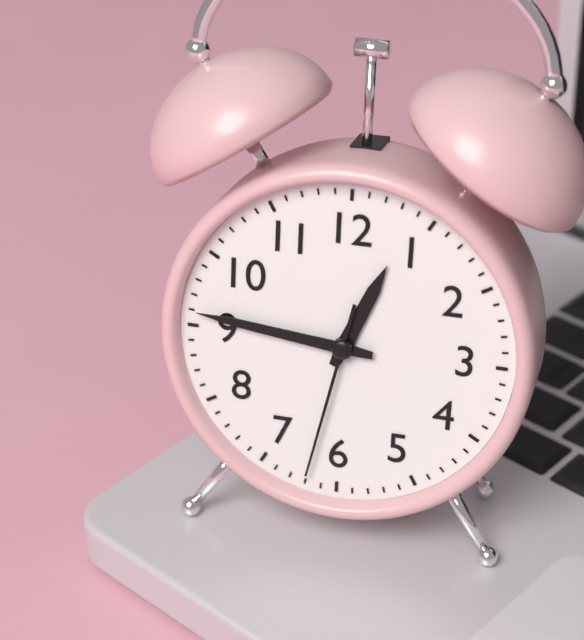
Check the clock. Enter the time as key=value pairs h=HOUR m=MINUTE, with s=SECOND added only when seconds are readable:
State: h=12 m=46 s=32
